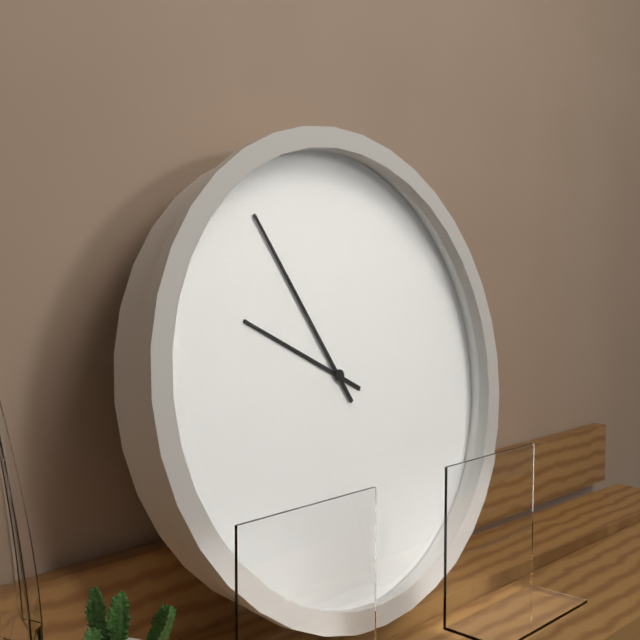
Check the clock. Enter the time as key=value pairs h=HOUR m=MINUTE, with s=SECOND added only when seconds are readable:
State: h=9 m=55
